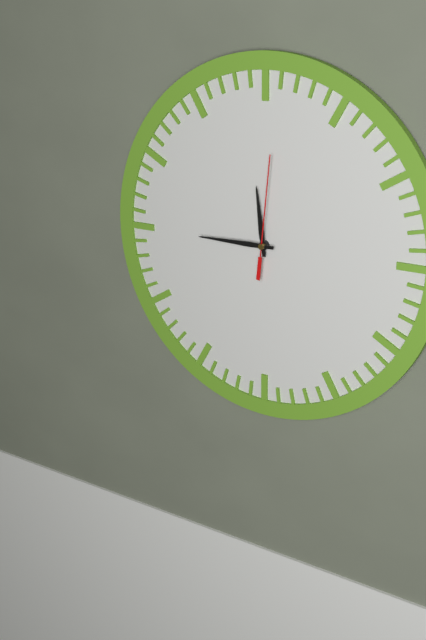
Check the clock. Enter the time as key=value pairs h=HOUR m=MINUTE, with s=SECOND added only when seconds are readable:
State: h=11 m=45 s=1
